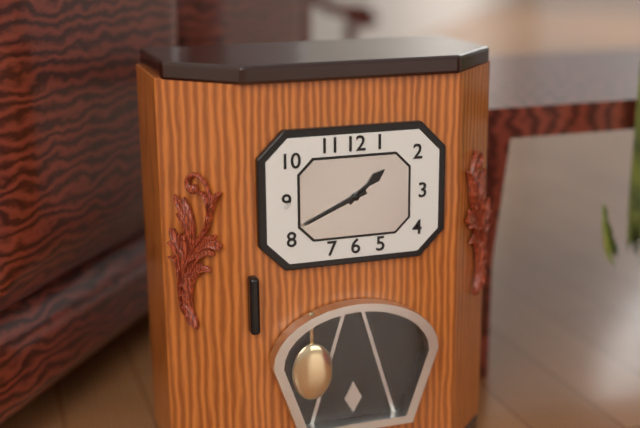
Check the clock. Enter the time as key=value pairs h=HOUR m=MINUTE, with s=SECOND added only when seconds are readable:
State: h=1 m=41
